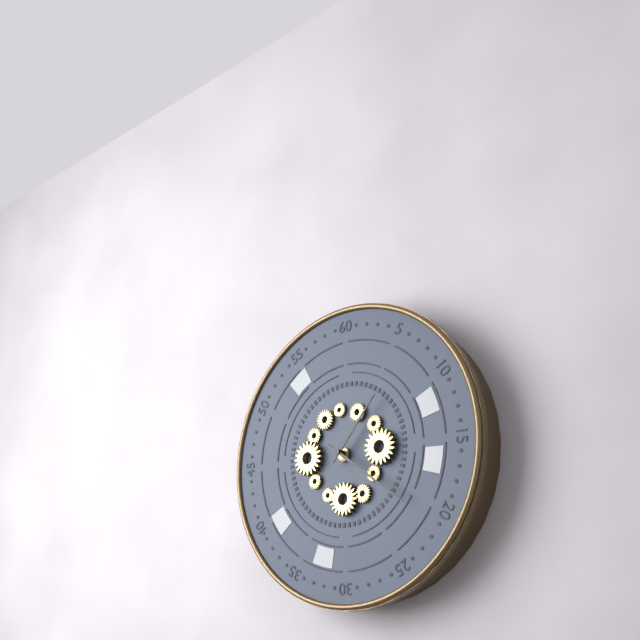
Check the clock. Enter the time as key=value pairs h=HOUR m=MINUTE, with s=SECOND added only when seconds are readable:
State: h=1 m=21
